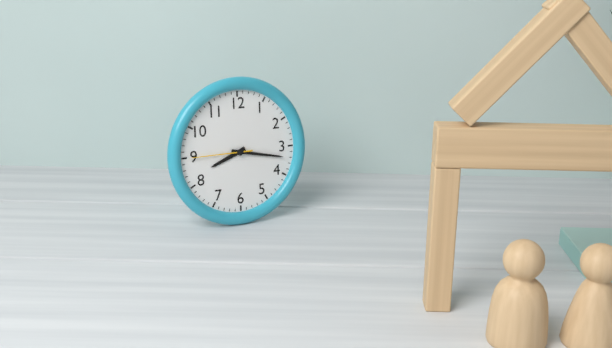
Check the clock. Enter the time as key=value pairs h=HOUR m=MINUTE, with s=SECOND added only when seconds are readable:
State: h=8 m=17 s=45
